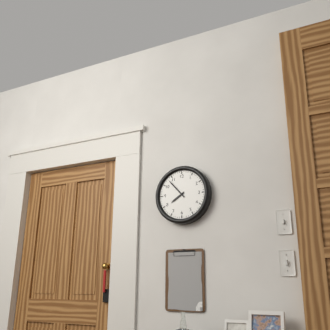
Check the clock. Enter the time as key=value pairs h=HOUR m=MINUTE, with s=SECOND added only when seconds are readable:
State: h=7 m=53
